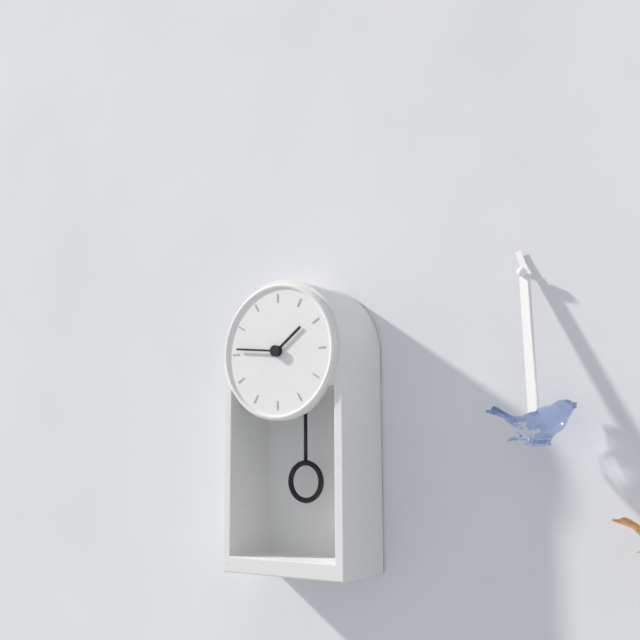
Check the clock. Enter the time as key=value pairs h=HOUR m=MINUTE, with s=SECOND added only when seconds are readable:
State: h=1 m=46
